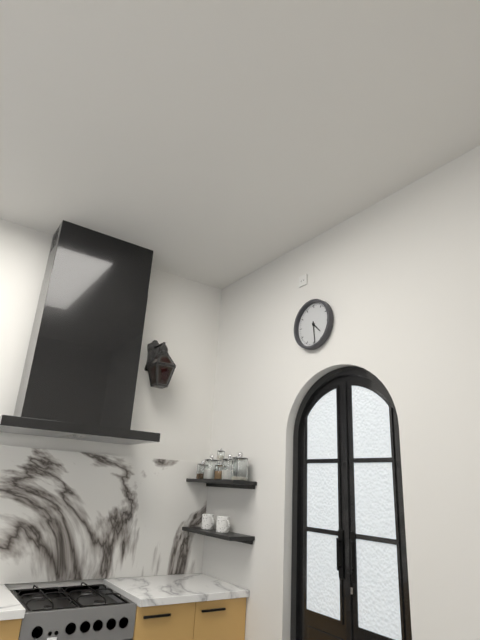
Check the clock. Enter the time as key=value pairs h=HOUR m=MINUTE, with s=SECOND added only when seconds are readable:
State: h=4 m=29
